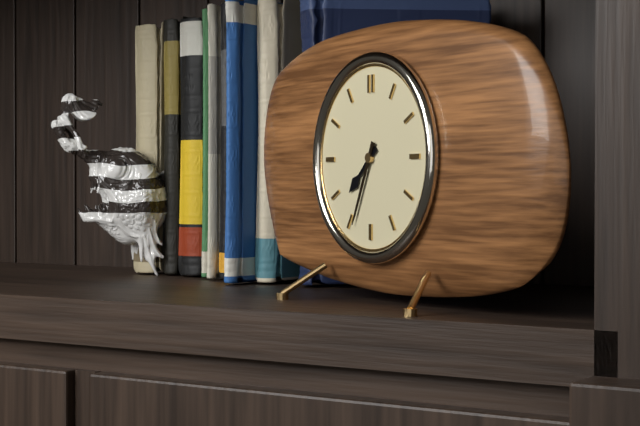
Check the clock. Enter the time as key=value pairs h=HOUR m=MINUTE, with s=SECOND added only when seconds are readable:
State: h=7 m=34
